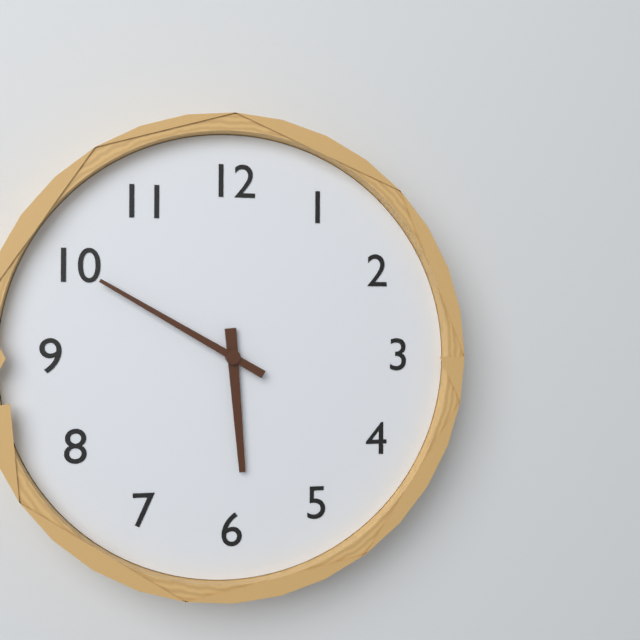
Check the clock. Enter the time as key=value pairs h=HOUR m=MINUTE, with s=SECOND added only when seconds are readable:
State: h=5 m=50
